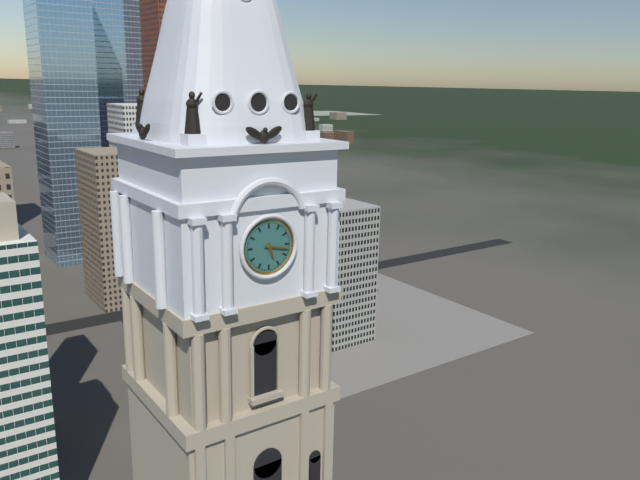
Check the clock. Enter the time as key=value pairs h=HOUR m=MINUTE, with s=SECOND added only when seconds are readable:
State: h=5 m=17
